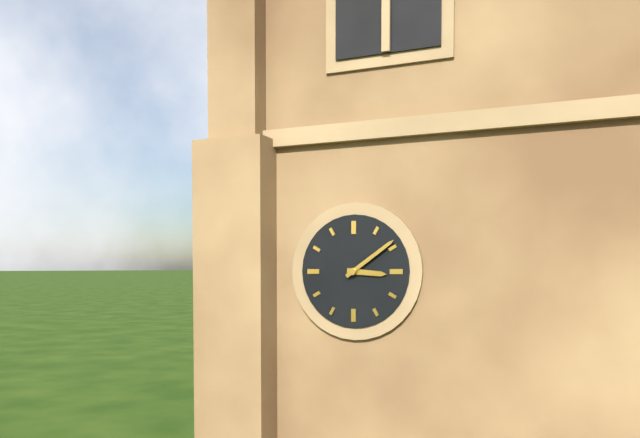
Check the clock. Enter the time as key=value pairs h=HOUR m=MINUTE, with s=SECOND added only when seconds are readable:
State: h=3 m=9
